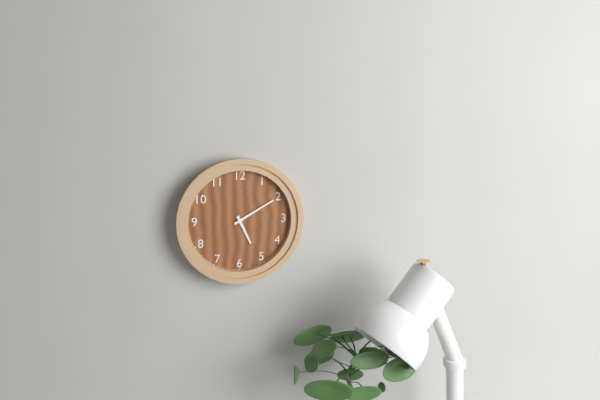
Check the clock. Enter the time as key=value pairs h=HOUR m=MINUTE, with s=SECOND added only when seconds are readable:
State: h=5 m=10
